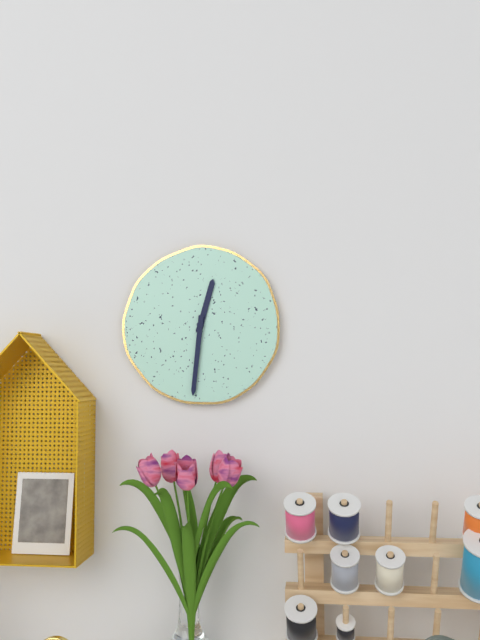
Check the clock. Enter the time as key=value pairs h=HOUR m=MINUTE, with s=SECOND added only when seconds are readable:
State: h=12 m=31
